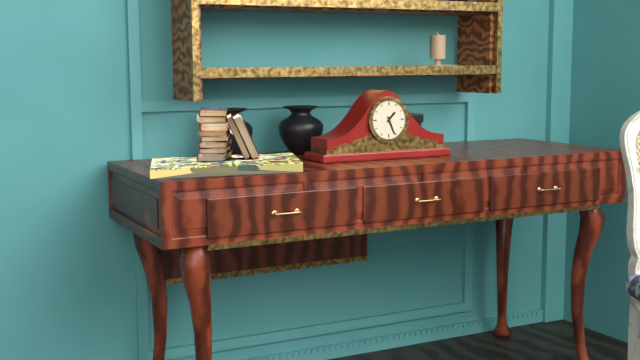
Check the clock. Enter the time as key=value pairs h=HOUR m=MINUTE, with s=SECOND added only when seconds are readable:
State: h=1 m=26
